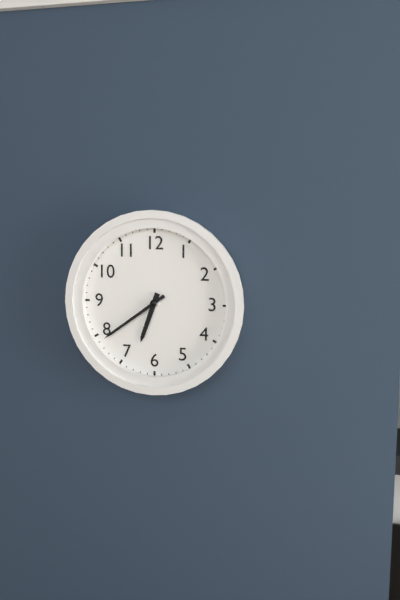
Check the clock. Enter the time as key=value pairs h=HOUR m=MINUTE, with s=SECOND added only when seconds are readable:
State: h=6 m=39
